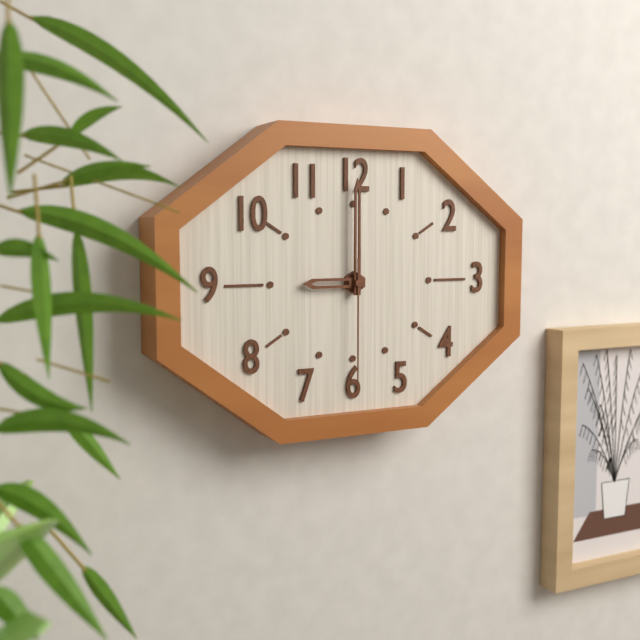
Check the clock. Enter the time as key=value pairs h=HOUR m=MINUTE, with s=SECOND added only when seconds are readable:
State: h=9 m=0 s=30
